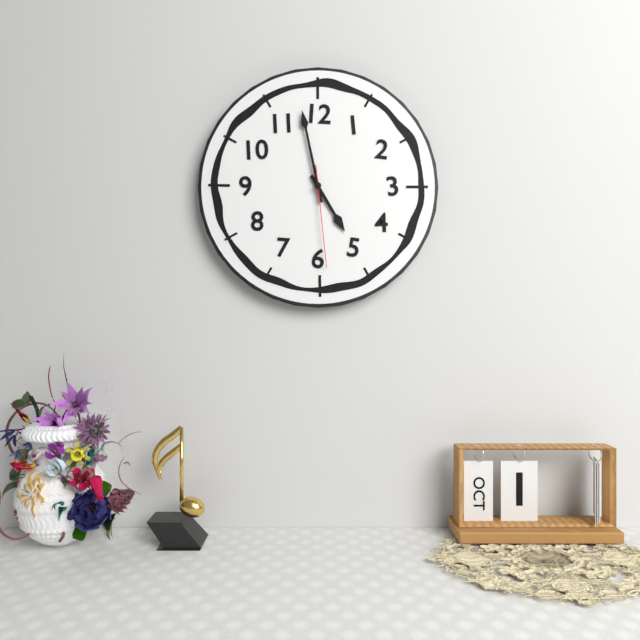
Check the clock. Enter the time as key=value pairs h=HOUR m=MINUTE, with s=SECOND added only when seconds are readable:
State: h=4 m=58 s=29
